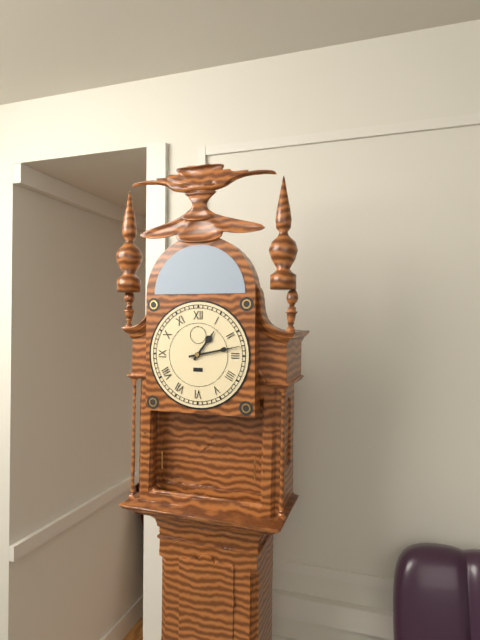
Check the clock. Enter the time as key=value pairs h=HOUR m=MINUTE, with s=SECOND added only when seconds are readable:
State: h=1 m=13
